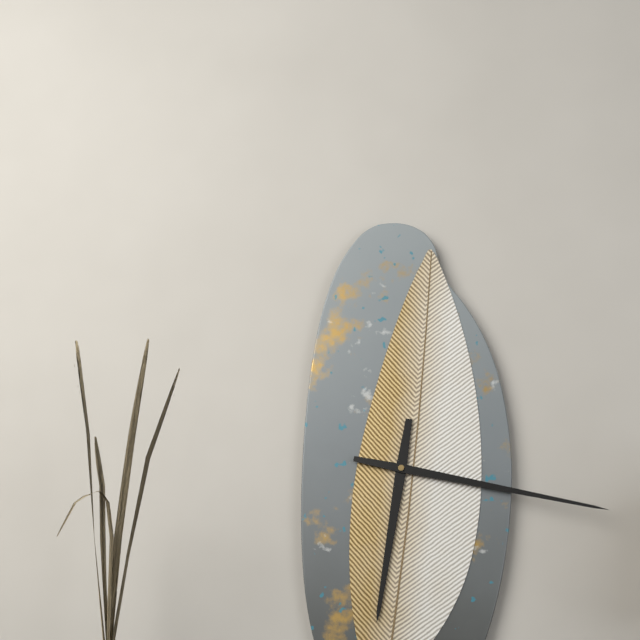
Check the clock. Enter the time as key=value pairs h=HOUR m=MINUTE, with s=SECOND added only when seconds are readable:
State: h=6 m=17
